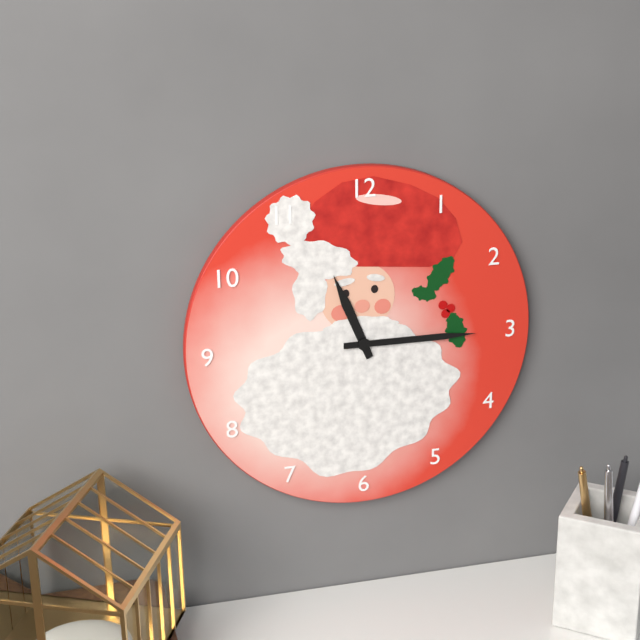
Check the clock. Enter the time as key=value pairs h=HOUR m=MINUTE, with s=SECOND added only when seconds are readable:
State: h=11 m=15
